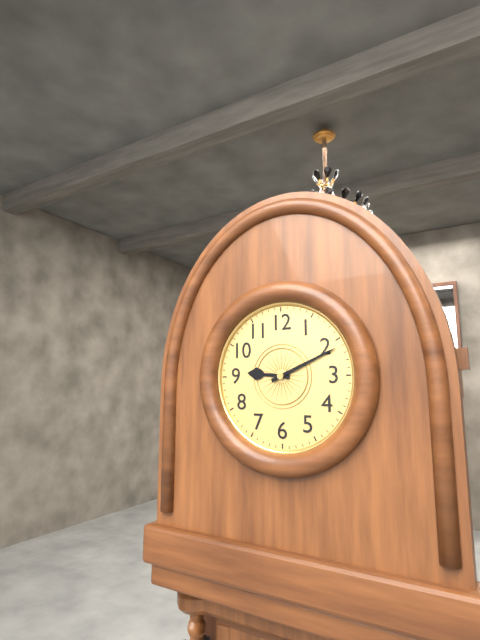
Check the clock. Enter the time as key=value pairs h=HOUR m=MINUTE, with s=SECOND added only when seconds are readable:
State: h=9 m=11
